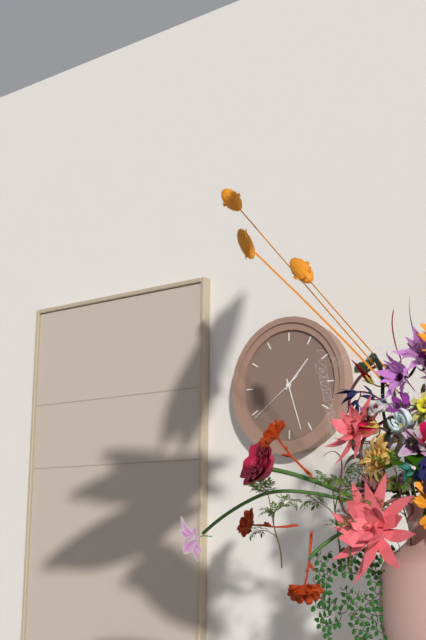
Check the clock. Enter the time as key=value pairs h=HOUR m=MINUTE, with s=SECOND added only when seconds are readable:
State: h=1 m=27 s=39
